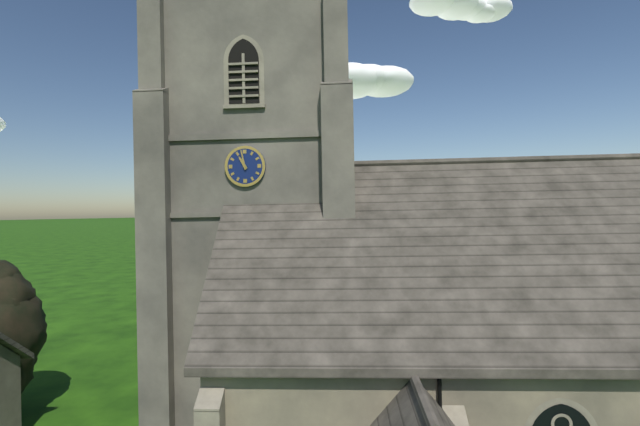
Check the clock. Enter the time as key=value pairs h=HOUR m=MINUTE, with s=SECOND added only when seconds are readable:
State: h=10 m=58
